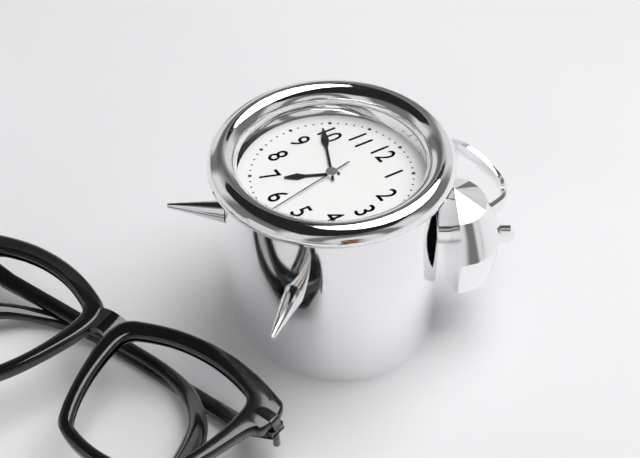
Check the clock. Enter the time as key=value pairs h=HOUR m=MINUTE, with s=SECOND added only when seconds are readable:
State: h=6 m=49 s=28
